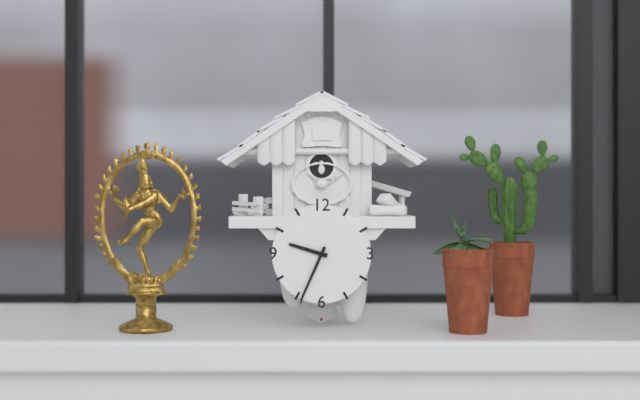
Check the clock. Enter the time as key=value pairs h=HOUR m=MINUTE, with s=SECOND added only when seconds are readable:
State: h=9 m=34
